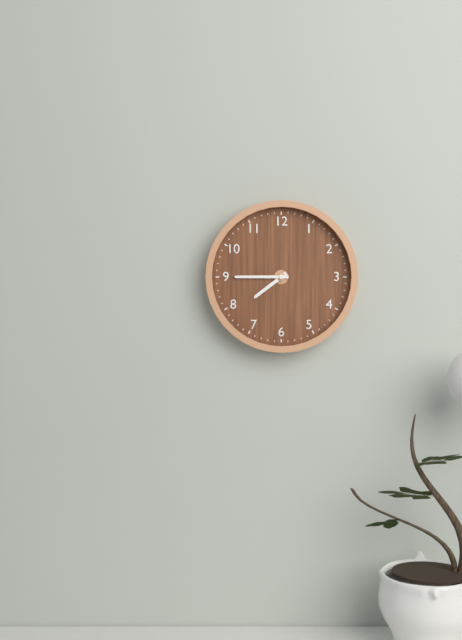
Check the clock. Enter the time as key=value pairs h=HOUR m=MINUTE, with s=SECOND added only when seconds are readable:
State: h=7 m=45
